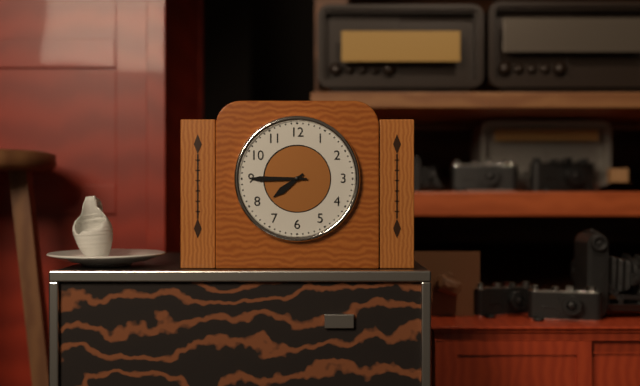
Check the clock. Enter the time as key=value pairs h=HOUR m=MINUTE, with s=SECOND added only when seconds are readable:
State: h=7 m=45
